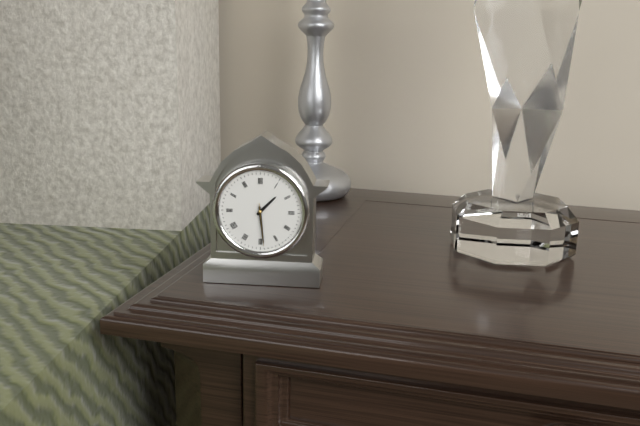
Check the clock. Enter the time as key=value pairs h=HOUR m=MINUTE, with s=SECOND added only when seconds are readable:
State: h=1 m=29
